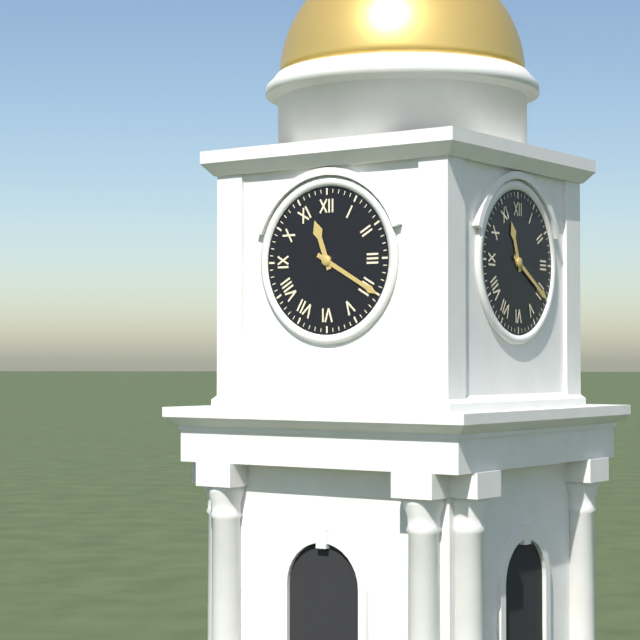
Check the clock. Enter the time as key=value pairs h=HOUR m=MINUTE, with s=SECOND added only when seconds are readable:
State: h=11 m=20
